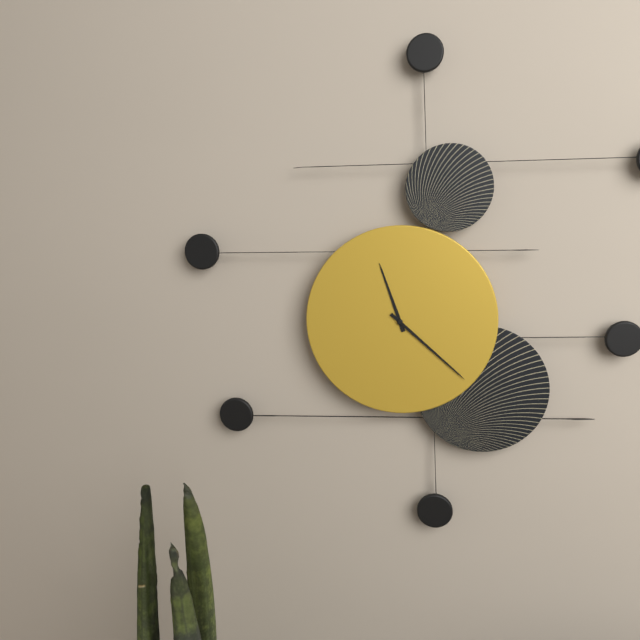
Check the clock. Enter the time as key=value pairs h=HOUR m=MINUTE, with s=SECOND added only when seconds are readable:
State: h=11 m=22
